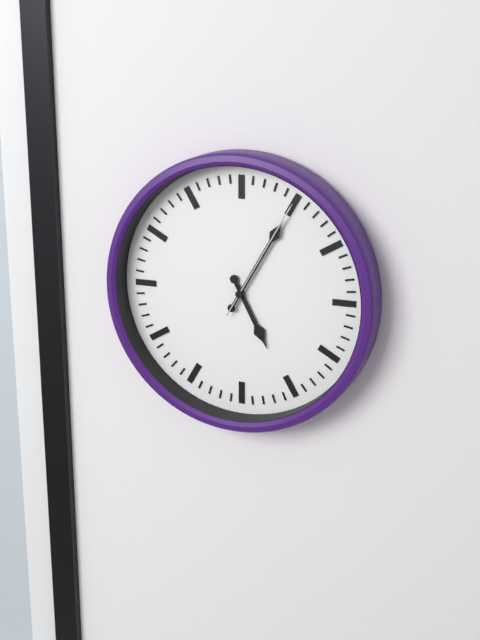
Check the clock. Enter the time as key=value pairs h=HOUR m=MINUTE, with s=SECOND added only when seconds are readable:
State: h=5 m=5 s=5
